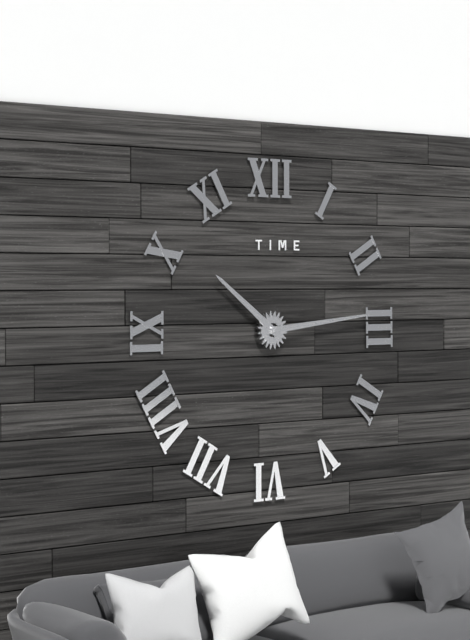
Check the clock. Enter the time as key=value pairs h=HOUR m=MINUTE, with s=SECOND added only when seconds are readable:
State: h=10 m=14
